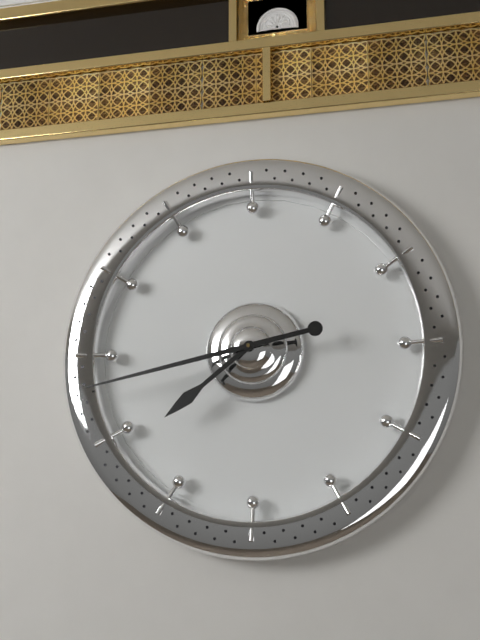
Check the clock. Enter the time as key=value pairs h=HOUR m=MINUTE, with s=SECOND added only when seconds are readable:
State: h=7 m=43
